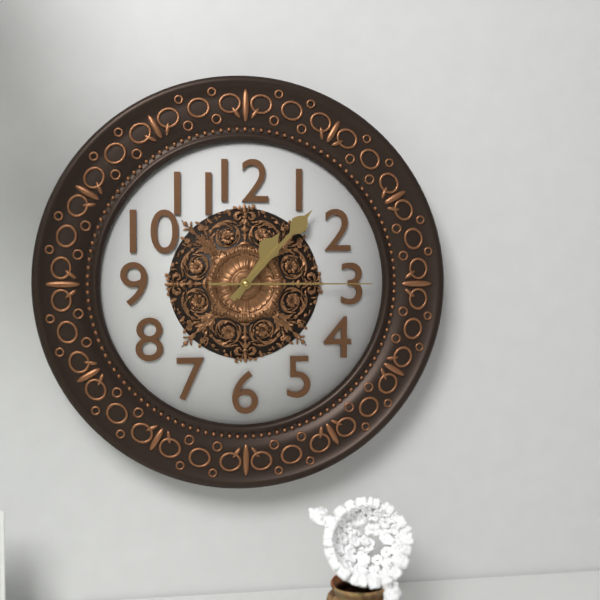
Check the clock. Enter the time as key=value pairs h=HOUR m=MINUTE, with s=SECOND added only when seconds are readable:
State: h=1 m=7 s=15
